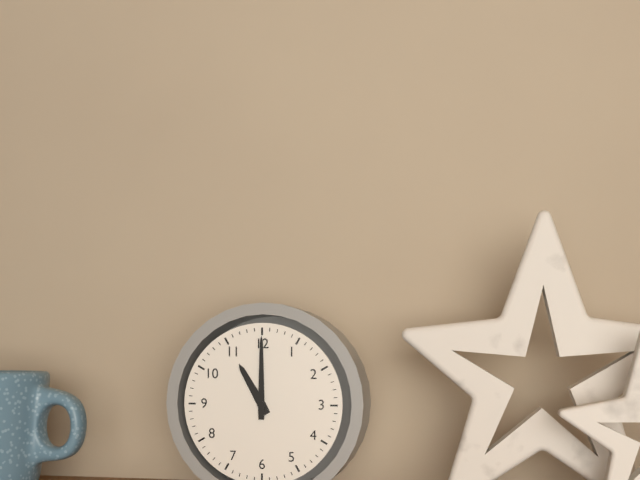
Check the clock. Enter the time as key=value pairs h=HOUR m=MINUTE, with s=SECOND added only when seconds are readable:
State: h=11 m=0
